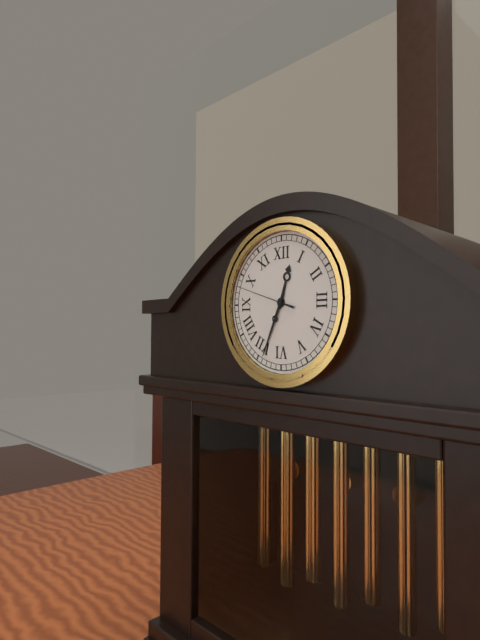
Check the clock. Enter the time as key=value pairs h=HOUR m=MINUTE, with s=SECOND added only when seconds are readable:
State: h=12 m=34 s=48
